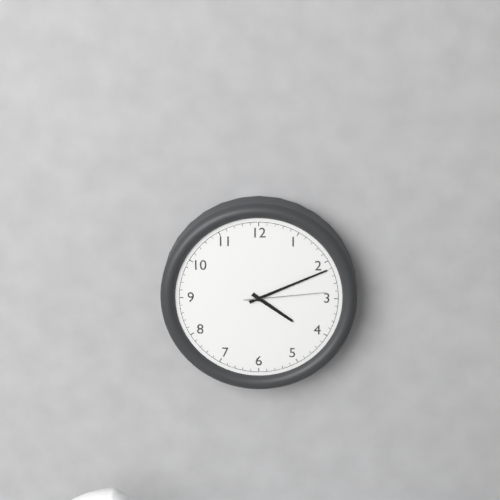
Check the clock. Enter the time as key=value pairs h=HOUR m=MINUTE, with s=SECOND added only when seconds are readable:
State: h=4 m=11 s=14
